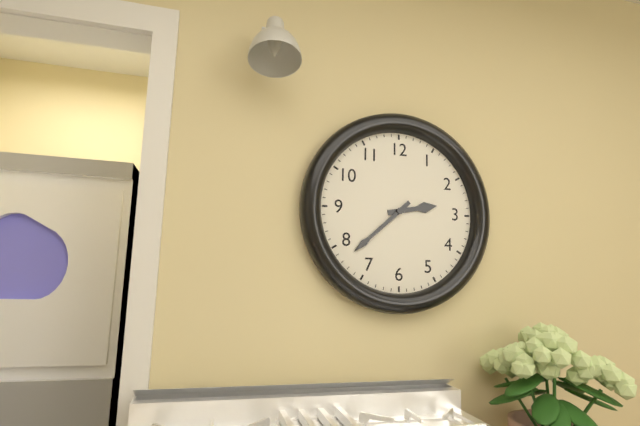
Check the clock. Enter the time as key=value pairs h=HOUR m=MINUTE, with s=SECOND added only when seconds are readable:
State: h=2 m=38
